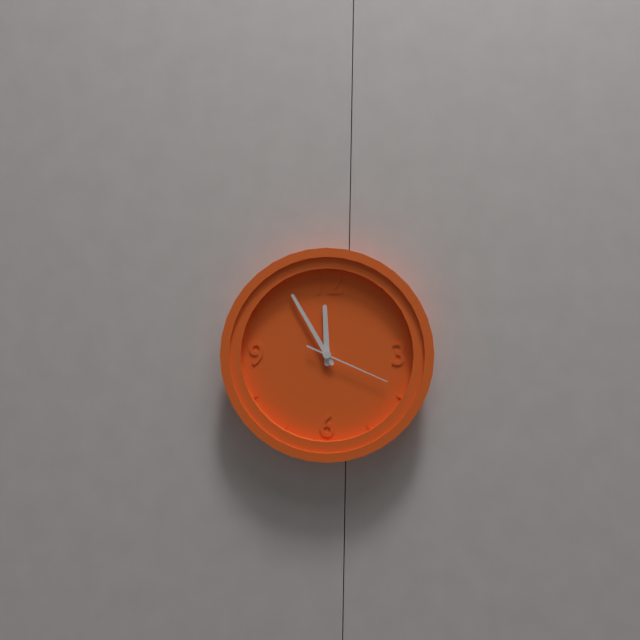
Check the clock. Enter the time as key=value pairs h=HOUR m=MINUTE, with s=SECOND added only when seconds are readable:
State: h=11 m=55 s=19
